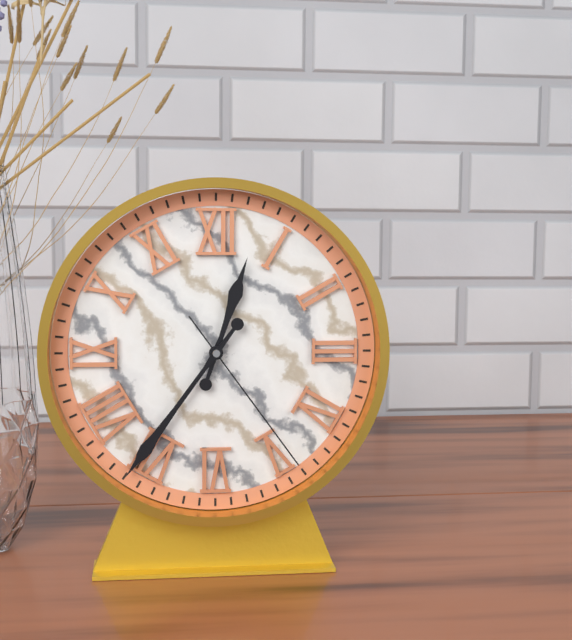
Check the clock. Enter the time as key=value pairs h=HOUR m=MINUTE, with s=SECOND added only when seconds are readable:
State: h=12 m=36 s=24
